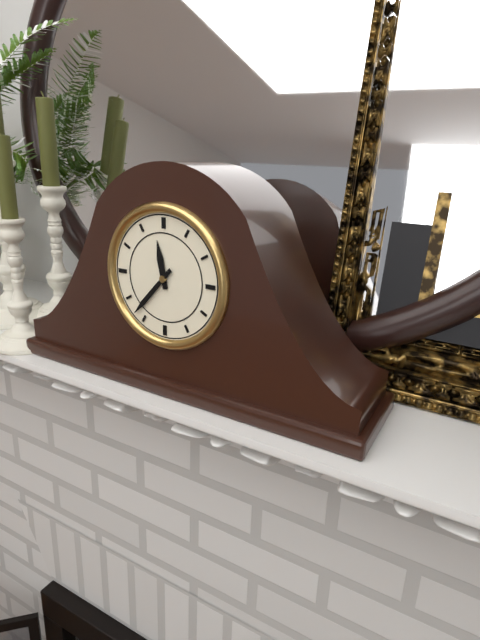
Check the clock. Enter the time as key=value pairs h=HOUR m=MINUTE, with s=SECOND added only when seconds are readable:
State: h=11 m=37
